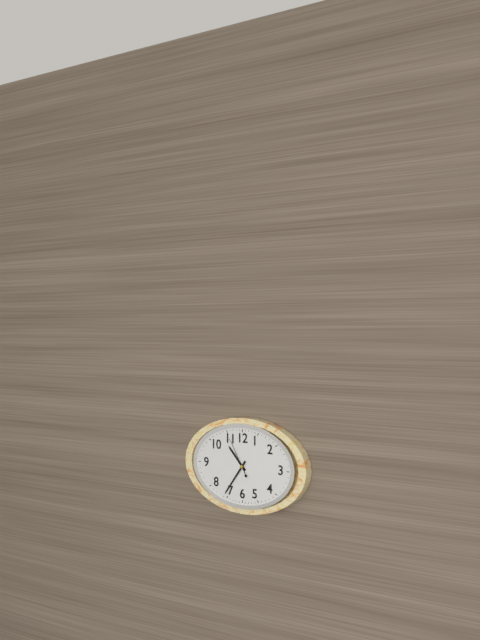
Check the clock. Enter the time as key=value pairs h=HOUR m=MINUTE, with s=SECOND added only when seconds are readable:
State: h=10 m=36
